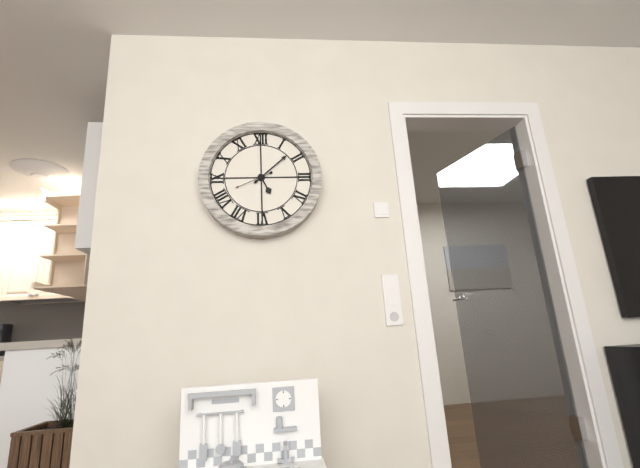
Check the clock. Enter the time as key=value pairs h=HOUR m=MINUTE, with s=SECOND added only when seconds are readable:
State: h=5 m=8
